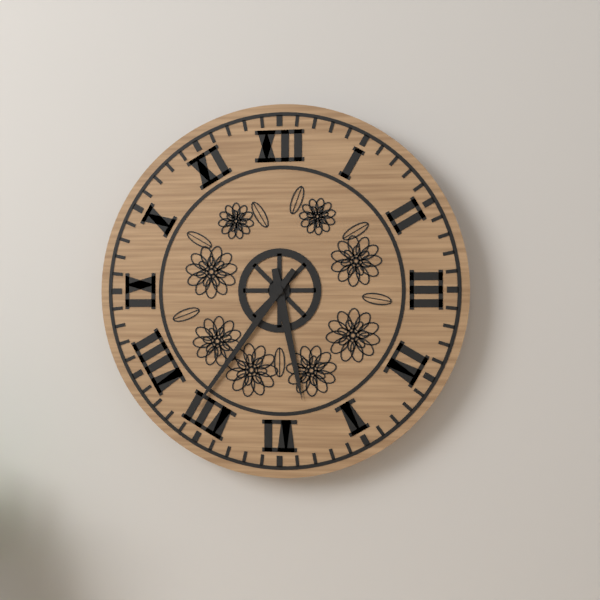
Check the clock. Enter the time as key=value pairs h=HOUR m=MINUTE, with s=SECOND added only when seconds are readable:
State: h=5 m=36
